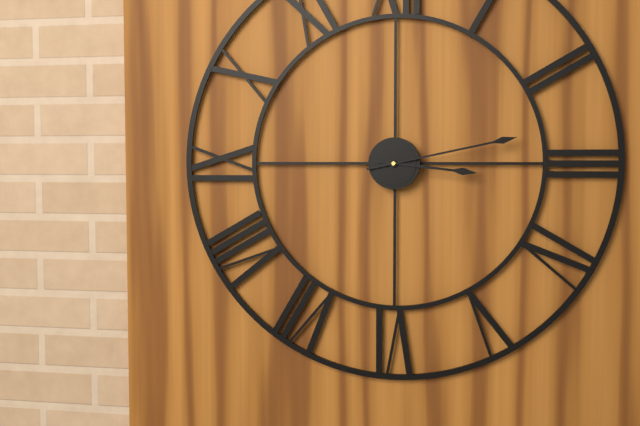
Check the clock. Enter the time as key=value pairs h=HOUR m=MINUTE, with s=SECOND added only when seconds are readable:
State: h=3 m=13
